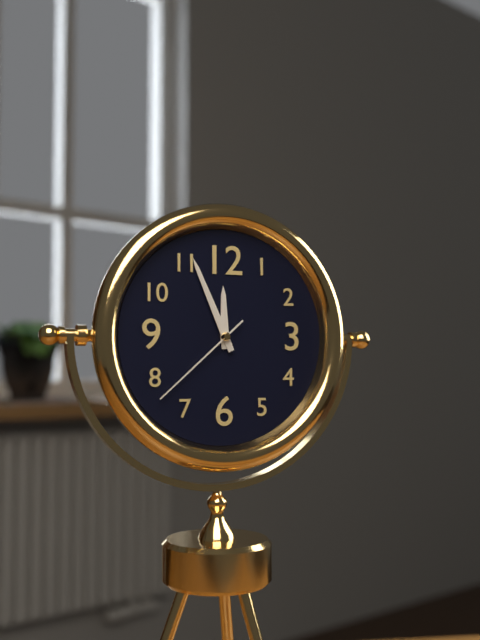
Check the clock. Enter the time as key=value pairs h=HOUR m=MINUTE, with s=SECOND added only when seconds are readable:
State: h=11 m=56 s=38
